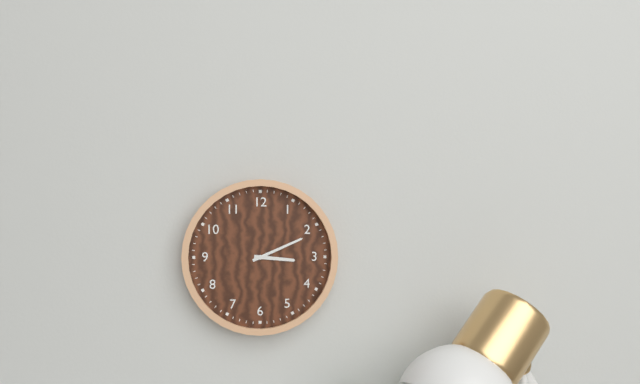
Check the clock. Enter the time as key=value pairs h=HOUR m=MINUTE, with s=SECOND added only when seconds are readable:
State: h=3 m=11
